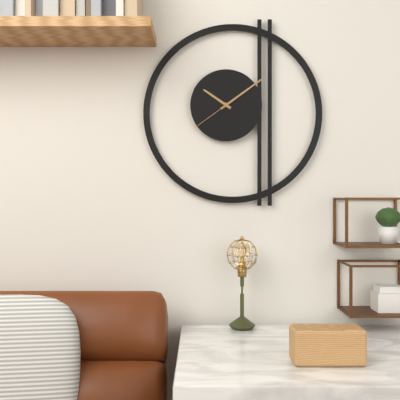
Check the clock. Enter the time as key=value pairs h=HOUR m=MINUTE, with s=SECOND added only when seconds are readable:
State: h=10 m=9
